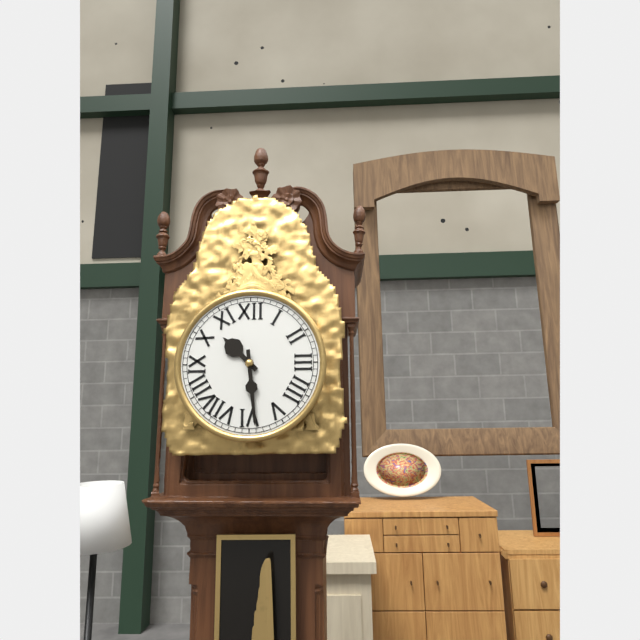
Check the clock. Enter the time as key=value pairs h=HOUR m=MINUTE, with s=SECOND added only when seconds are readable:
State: h=10 m=29
